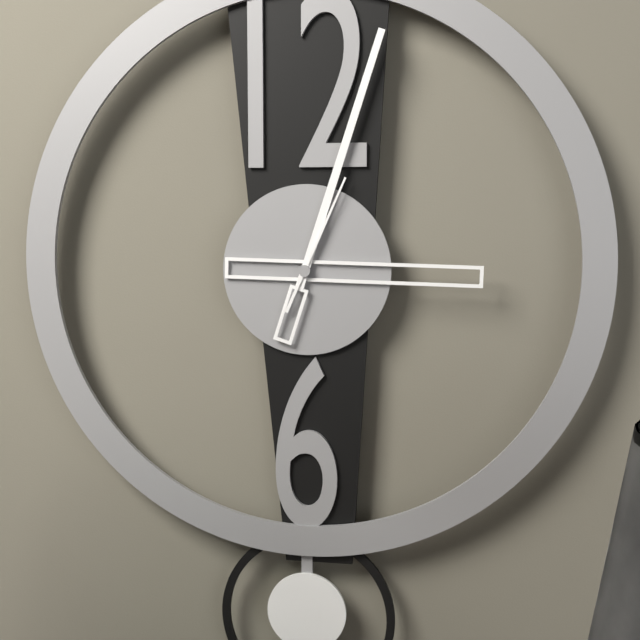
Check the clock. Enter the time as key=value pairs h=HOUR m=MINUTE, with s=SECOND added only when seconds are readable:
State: h=3 m=3 s=4
